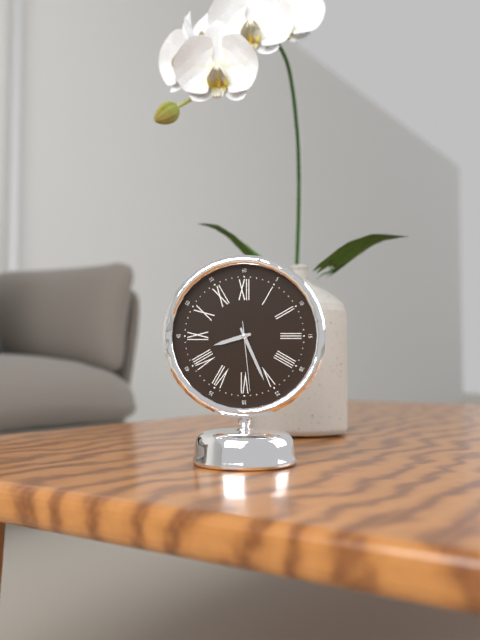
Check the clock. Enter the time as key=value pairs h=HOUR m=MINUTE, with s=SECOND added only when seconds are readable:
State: h=8 m=26 s=29
